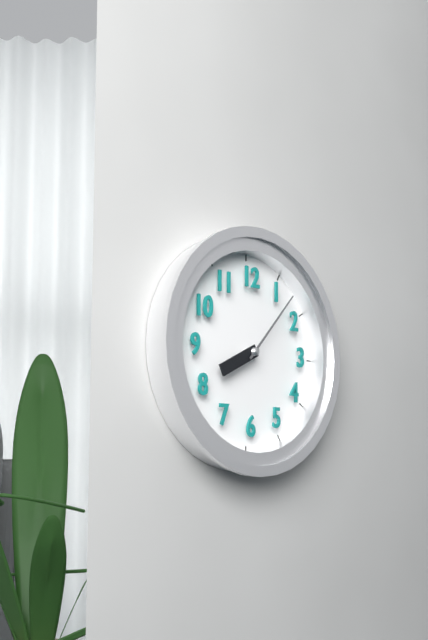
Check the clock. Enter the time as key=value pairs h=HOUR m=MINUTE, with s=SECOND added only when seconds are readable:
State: h=8 m=7
